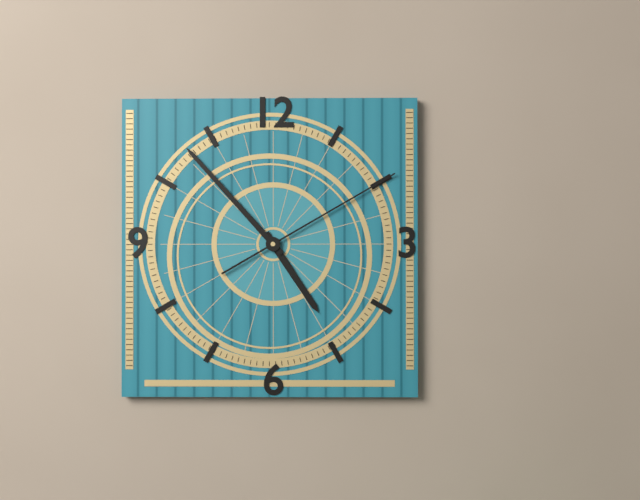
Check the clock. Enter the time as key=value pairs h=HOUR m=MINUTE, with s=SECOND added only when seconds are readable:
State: h=4 m=53 s=10
